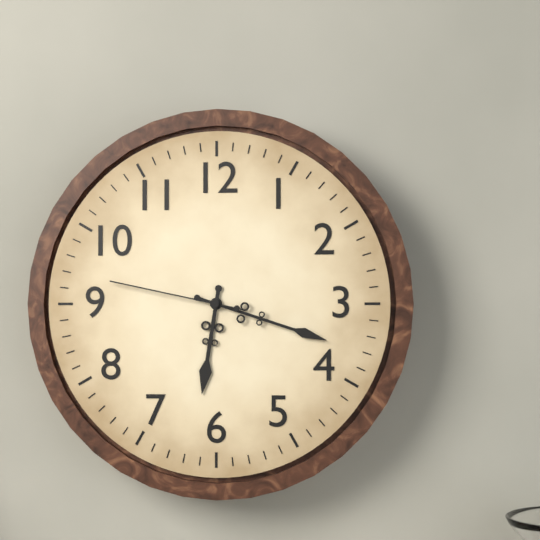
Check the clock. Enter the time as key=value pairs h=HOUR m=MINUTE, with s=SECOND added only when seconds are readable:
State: h=6 m=18 s=47
